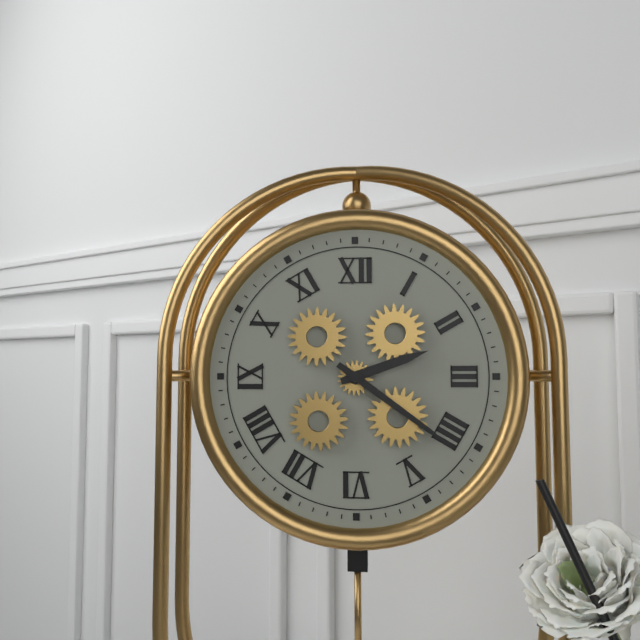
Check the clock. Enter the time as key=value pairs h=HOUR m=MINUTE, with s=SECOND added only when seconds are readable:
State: h=2 m=21
